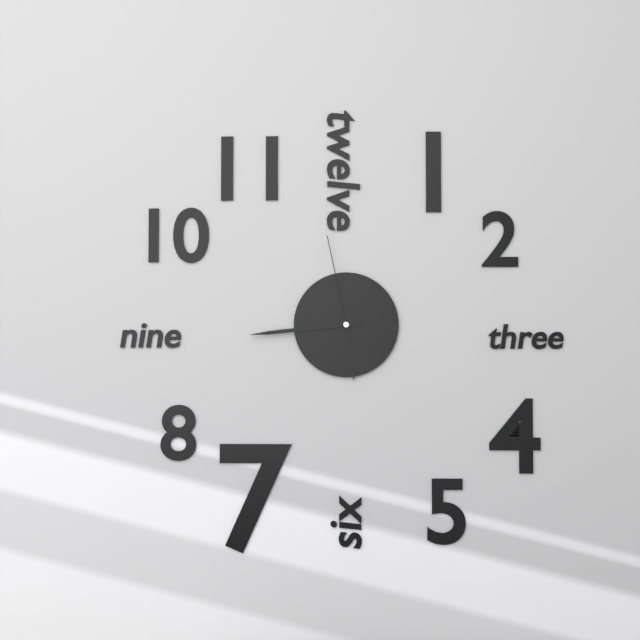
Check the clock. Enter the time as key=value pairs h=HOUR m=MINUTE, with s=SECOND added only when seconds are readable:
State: h=5 m=44 s=58
